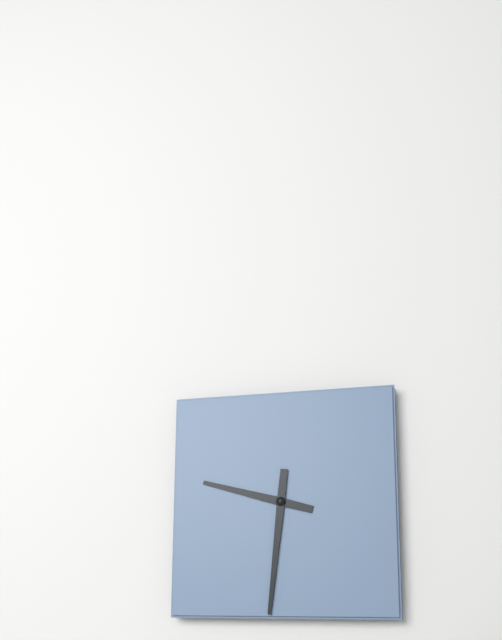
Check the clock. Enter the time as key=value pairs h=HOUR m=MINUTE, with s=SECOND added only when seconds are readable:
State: h=9 m=31
